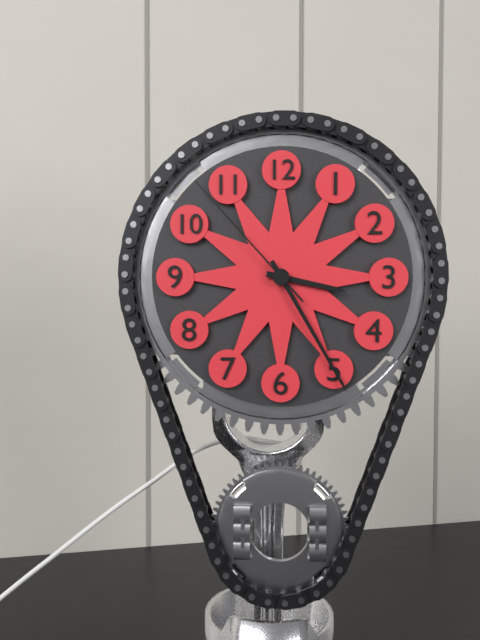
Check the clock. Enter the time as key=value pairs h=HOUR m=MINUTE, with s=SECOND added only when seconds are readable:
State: h=3 m=25 s=53
